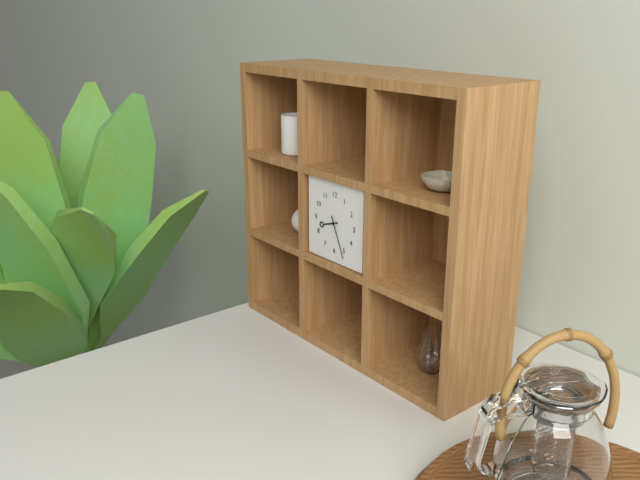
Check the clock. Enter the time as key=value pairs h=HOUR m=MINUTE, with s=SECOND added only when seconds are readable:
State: h=8 m=26
